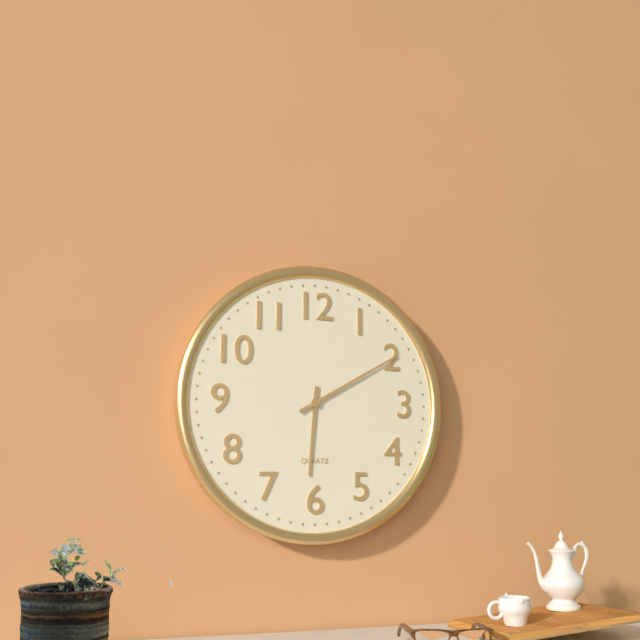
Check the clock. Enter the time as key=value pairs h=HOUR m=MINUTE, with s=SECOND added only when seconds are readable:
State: h=6 m=10
